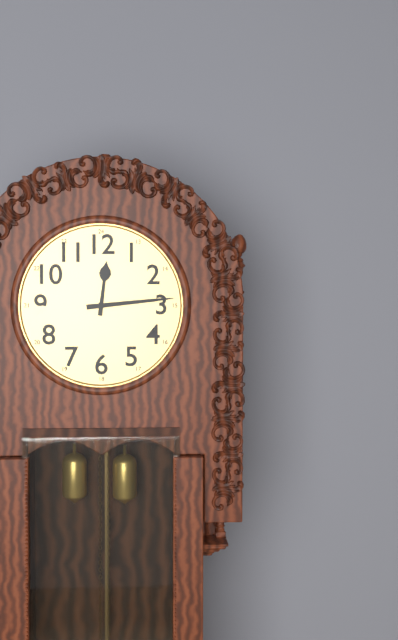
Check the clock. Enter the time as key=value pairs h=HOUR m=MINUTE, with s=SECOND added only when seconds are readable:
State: h=12 m=14
